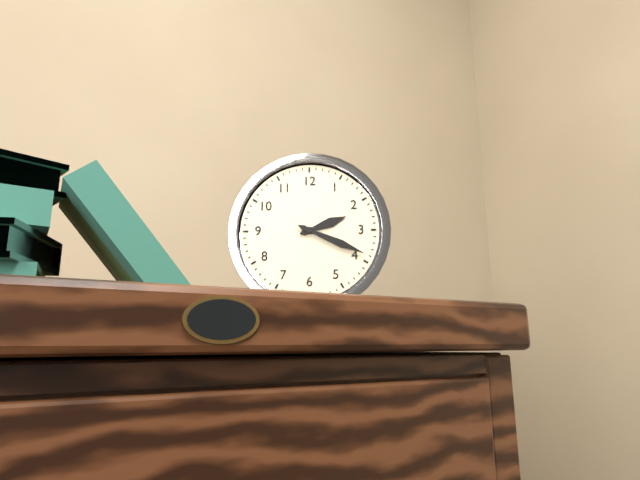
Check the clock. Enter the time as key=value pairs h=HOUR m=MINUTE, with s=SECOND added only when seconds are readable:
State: h=2 m=19
